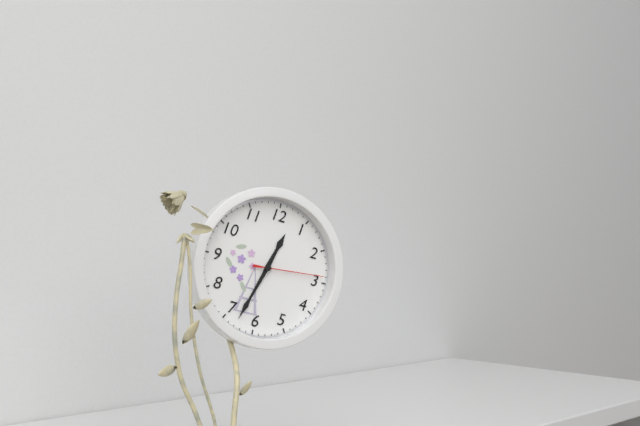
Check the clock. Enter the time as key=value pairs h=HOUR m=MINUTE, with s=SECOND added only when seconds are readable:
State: h=12 m=33 s=14
